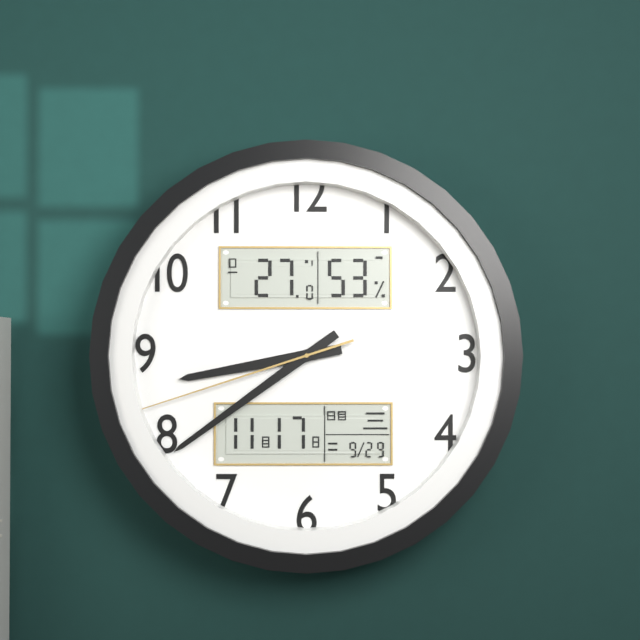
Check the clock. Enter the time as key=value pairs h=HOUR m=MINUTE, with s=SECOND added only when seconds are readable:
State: h=8 m=39 s=42
